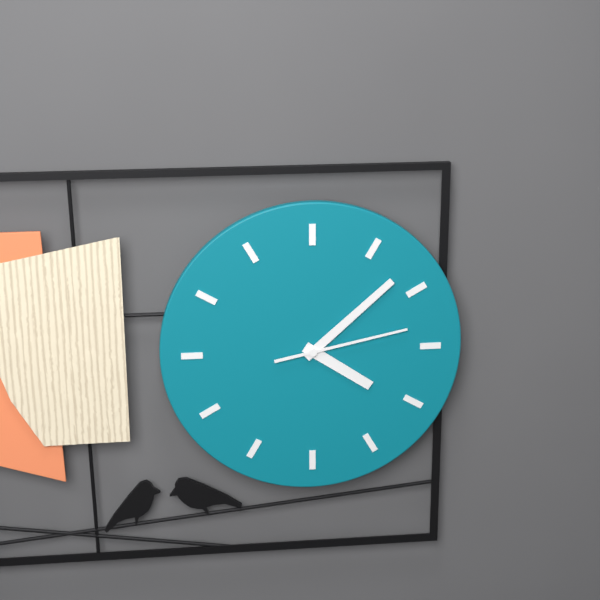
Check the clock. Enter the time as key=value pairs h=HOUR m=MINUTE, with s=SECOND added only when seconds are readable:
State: h=4 m=8 s=13
